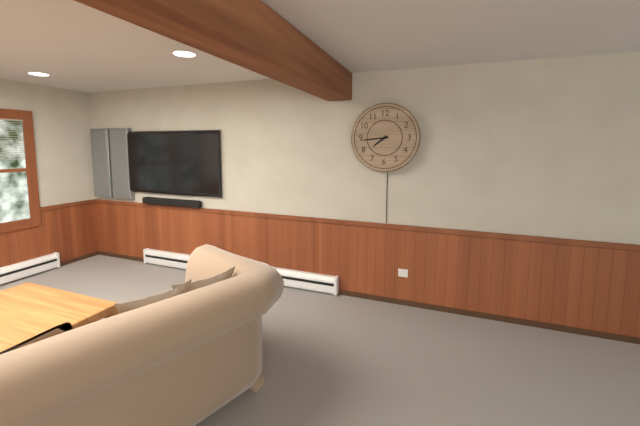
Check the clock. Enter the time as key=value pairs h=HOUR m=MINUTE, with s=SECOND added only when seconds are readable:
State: h=7 m=44
